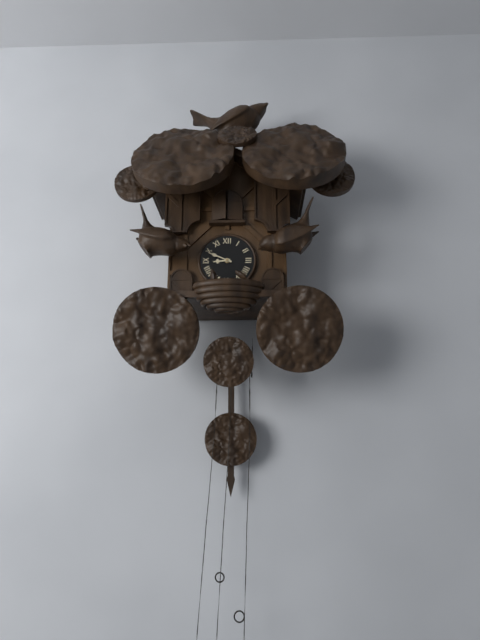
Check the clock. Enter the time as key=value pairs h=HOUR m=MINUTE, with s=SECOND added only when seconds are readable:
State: h=8 m=49
